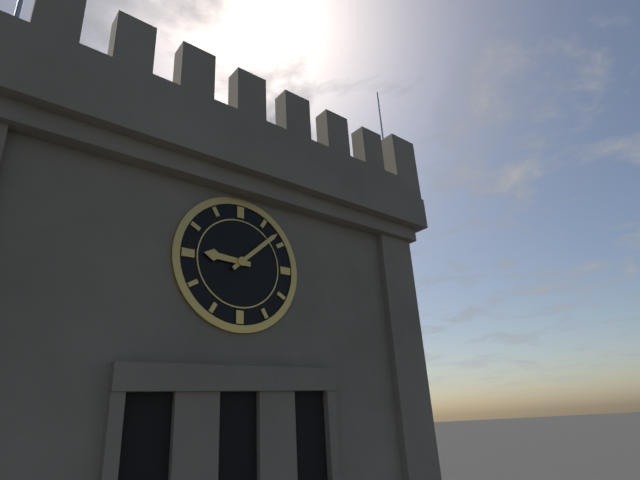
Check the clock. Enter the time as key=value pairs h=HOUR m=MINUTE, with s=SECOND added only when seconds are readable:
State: h=9 m=8
